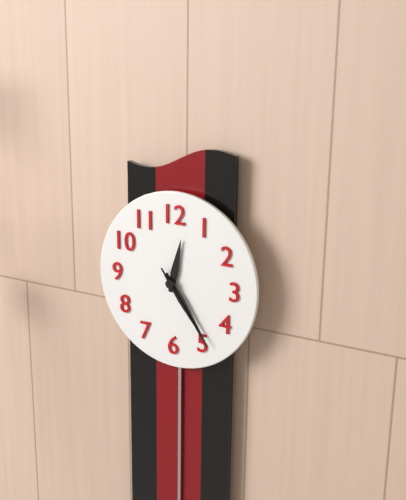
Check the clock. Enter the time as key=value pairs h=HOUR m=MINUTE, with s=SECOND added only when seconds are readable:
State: h=12 m=24 s=24
